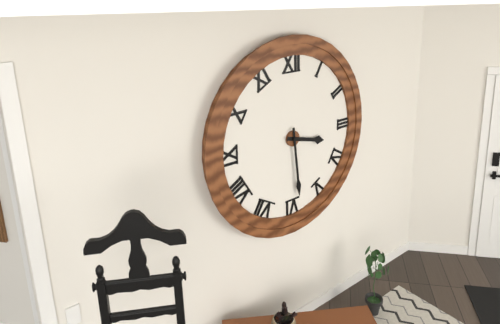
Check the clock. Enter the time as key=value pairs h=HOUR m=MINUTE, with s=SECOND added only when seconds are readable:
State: h=3 m=29
